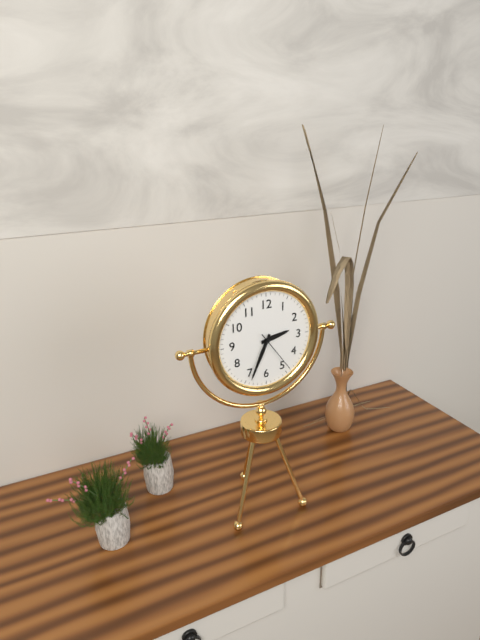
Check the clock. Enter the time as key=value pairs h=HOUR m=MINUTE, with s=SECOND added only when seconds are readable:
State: h=2 m=34
